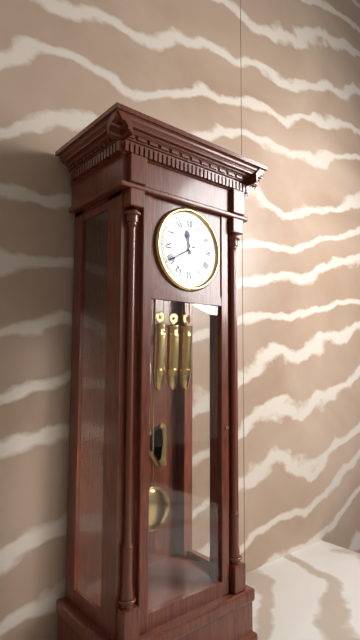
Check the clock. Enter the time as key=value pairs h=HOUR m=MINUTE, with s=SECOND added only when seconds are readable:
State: h=11 m=40
